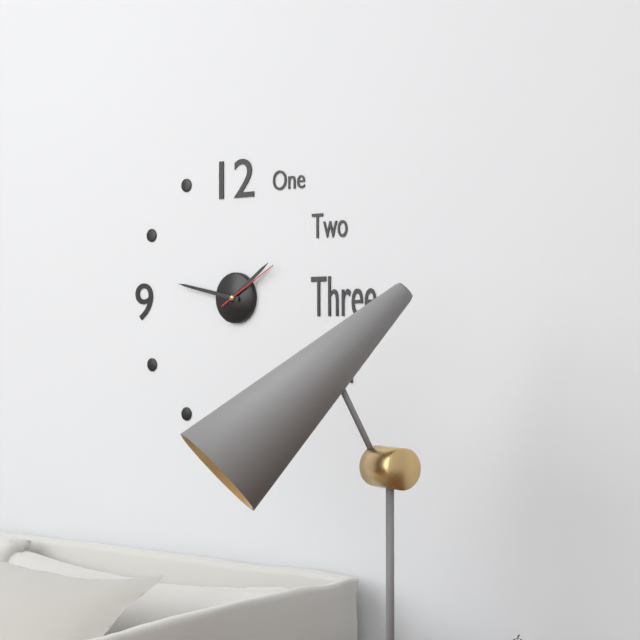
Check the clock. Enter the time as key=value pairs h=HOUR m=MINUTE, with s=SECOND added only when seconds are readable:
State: h=1 m=47 s=10
